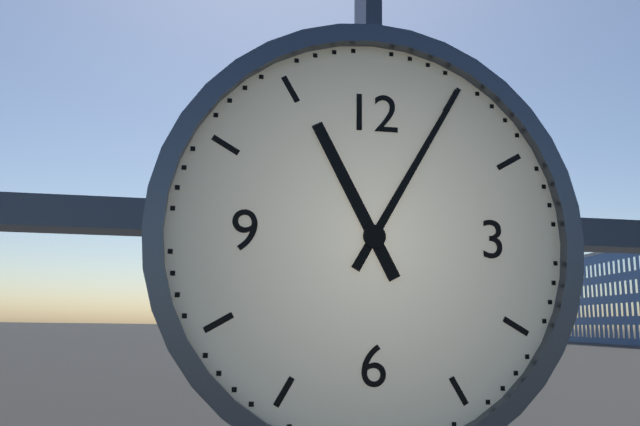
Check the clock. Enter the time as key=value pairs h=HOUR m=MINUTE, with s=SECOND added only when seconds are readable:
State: h=11 m=5
